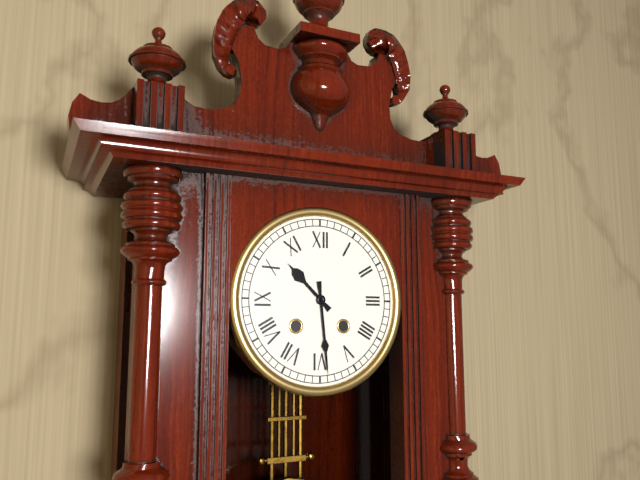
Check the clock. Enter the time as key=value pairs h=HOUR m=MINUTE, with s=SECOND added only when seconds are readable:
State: h=10 m=29
